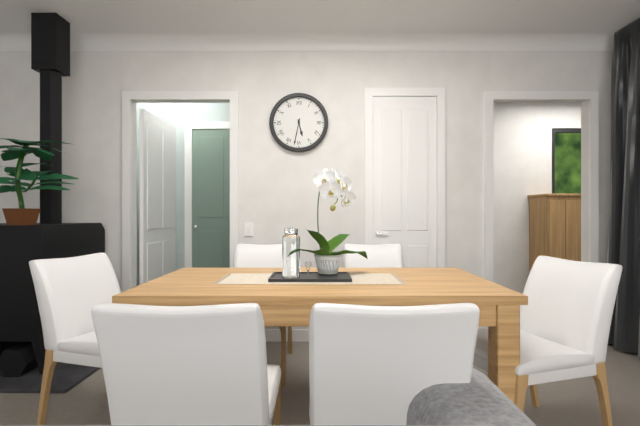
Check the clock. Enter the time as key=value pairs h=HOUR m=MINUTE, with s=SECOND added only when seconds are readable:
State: h=5 m=32
